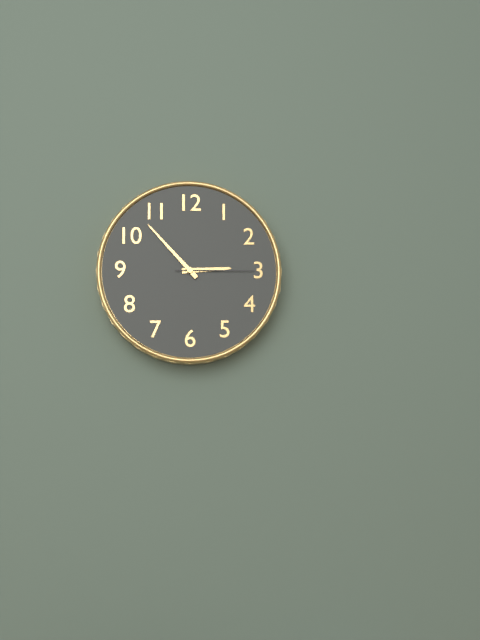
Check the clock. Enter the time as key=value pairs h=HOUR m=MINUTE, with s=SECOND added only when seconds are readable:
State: h=2 m=53 s=15
